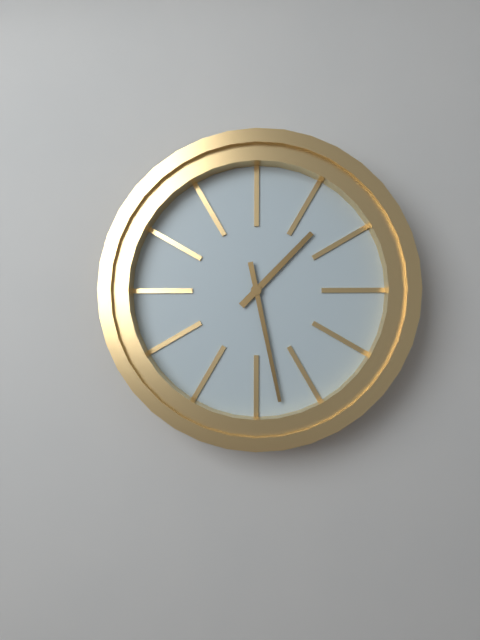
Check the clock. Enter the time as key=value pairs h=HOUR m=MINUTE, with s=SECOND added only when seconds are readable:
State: h=1 m=28
